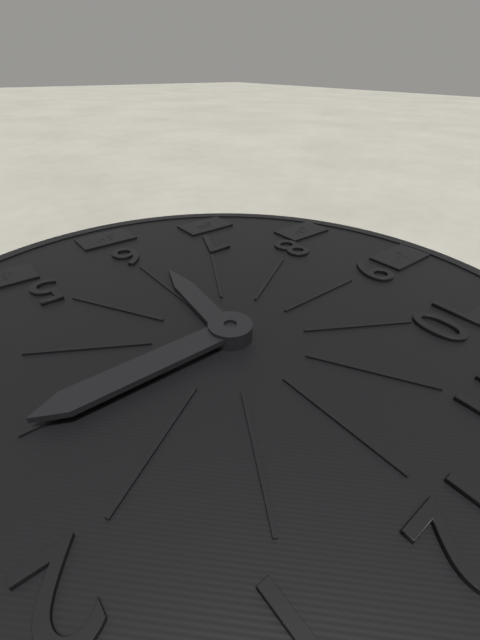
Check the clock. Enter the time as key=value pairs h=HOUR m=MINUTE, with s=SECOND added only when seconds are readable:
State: h=6 m=15
